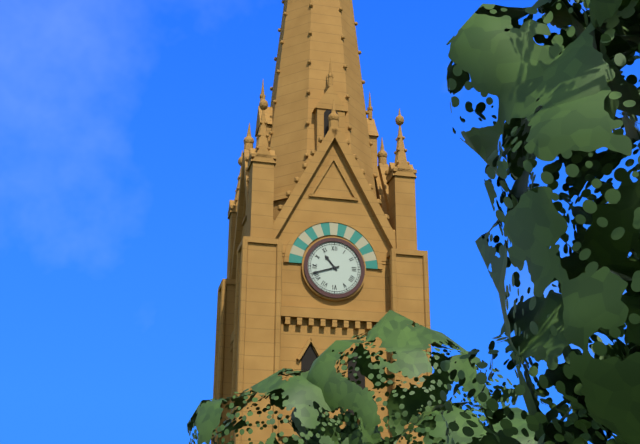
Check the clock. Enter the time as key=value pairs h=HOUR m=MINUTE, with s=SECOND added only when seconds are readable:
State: h=10 m=42
